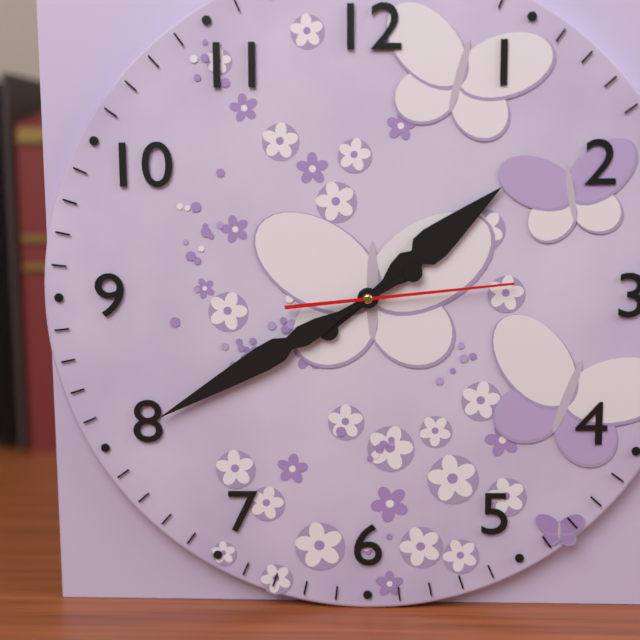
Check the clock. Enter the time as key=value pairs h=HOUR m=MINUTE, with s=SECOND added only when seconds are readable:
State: h=1 m=40 s=14
